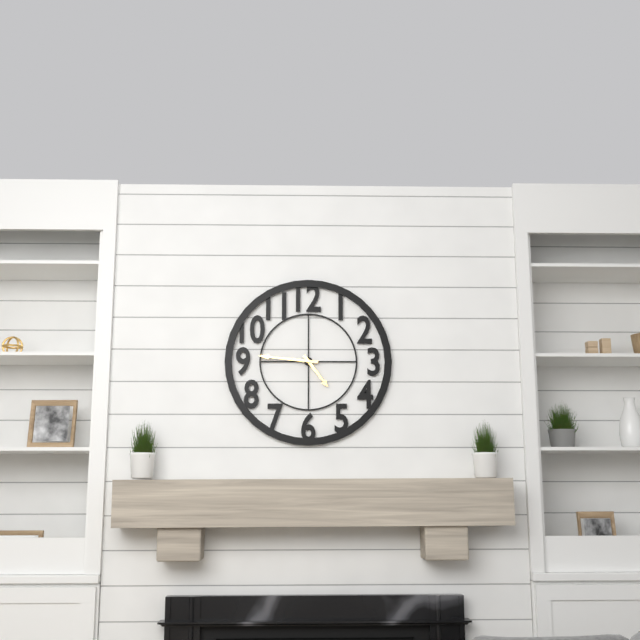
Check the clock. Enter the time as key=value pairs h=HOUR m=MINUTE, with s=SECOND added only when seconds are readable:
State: h=4 m=46
